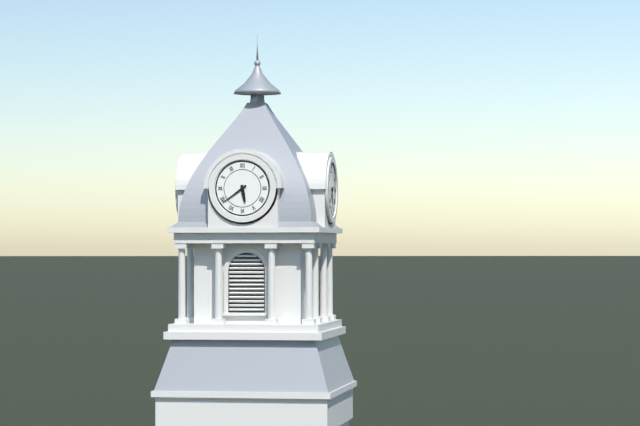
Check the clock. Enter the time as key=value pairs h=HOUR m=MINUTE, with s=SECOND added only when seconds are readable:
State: h=5 m=39
